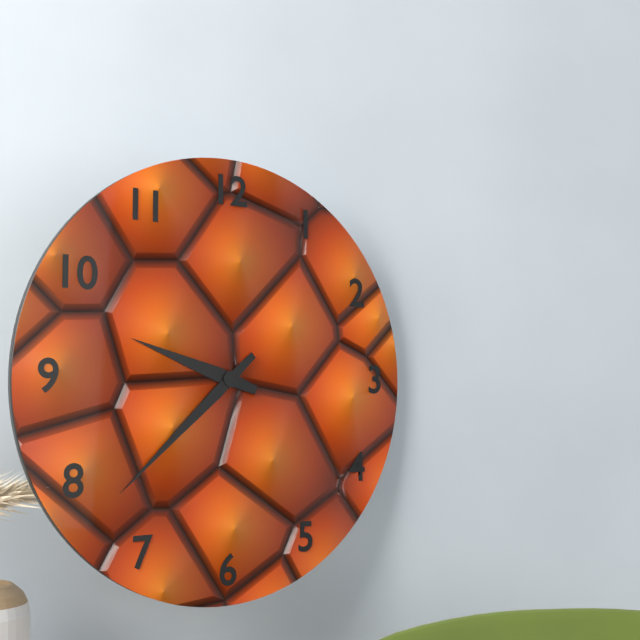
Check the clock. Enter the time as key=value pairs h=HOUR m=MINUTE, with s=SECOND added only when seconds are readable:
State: h=9 m=38
